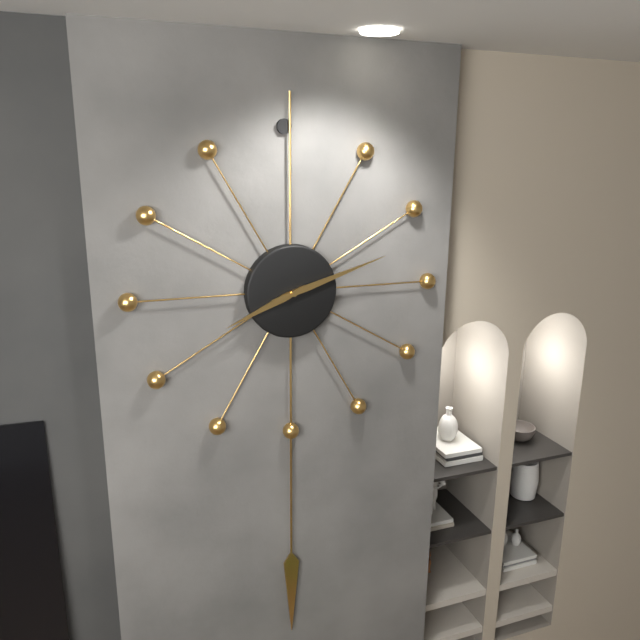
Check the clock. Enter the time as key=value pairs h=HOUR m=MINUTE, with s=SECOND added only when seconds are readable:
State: h=8 m=12
